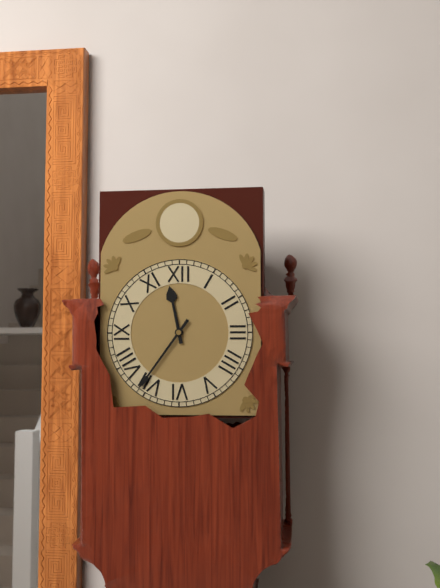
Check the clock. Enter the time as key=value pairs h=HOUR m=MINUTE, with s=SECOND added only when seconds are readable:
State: h=11 m=36
